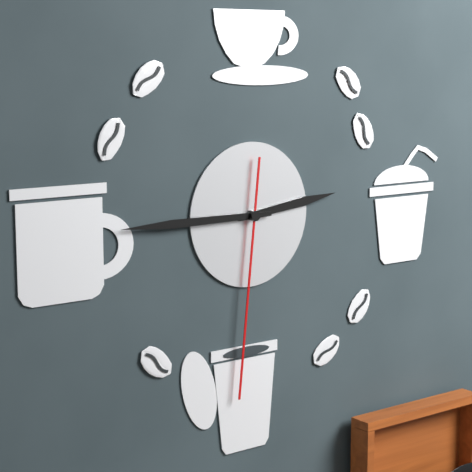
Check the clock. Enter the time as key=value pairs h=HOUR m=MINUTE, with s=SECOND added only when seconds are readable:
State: h=2 m=45 s=31
